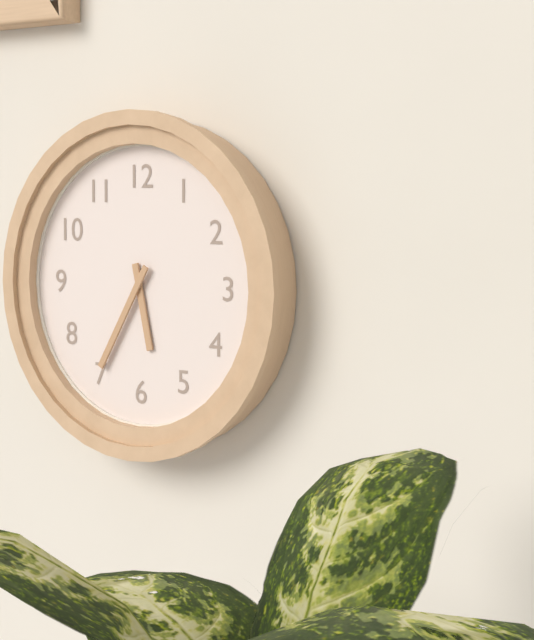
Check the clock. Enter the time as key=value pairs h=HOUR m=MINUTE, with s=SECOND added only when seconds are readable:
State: h=5 m=35
